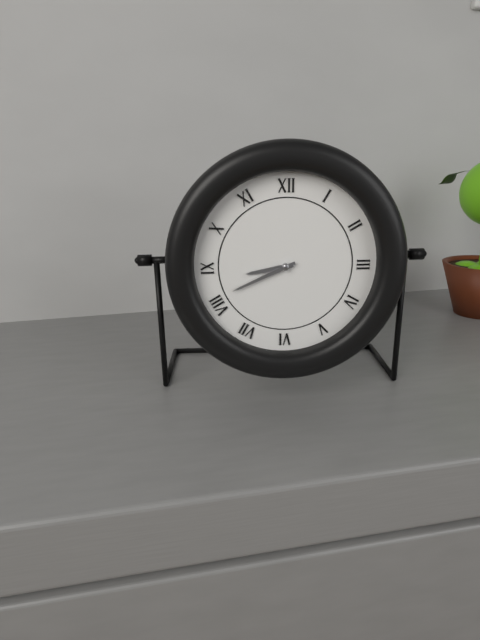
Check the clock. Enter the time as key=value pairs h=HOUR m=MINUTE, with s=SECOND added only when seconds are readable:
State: h=8 m=41
